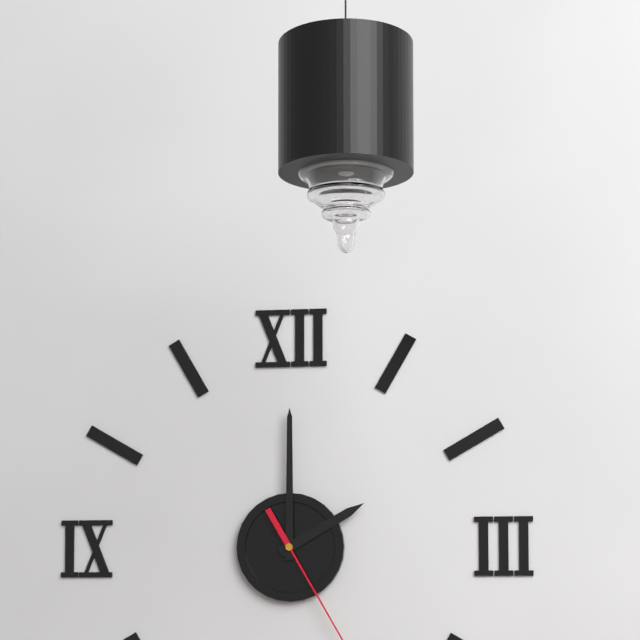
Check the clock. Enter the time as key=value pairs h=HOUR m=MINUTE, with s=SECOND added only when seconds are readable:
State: h=2 m=0
